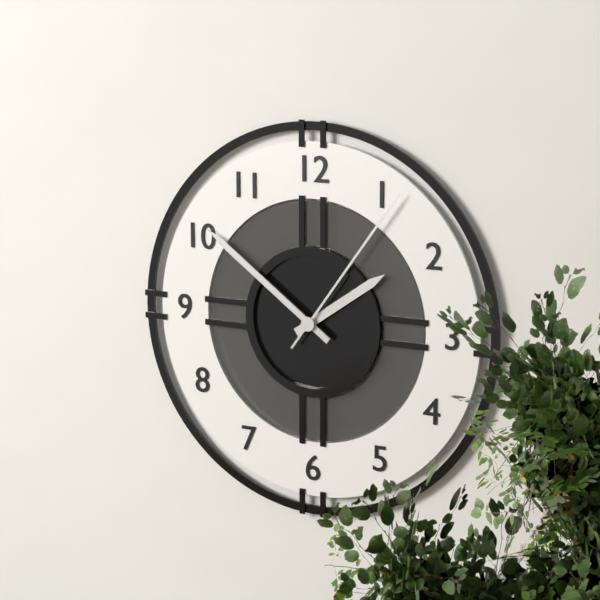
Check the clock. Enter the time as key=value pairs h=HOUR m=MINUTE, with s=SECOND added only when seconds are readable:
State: h=1 m=51 s=6
